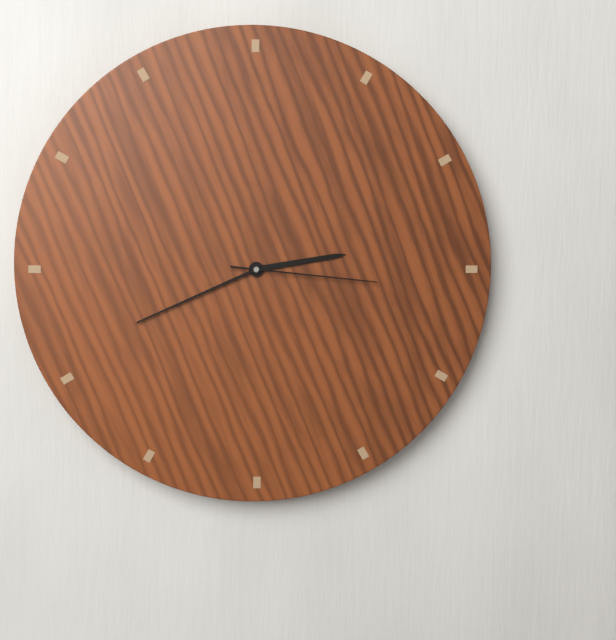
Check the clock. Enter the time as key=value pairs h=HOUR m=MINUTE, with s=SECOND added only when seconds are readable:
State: h=2 m=41 s=16
